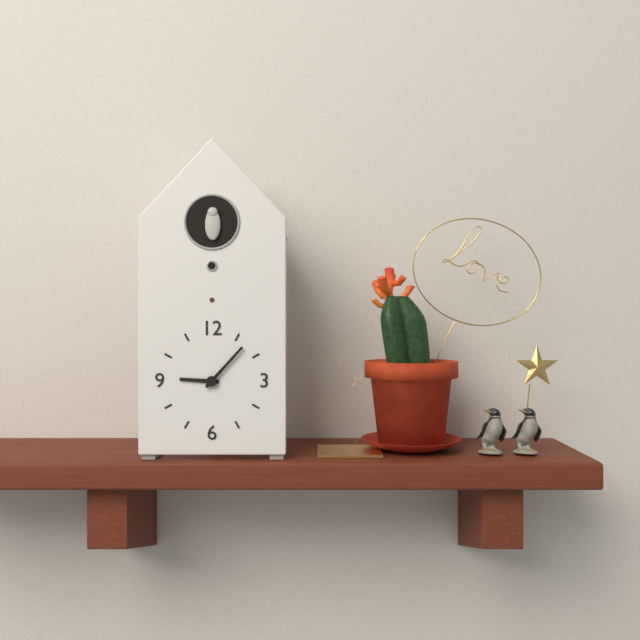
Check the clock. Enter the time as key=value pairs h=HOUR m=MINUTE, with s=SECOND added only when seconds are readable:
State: h=9 m=7
